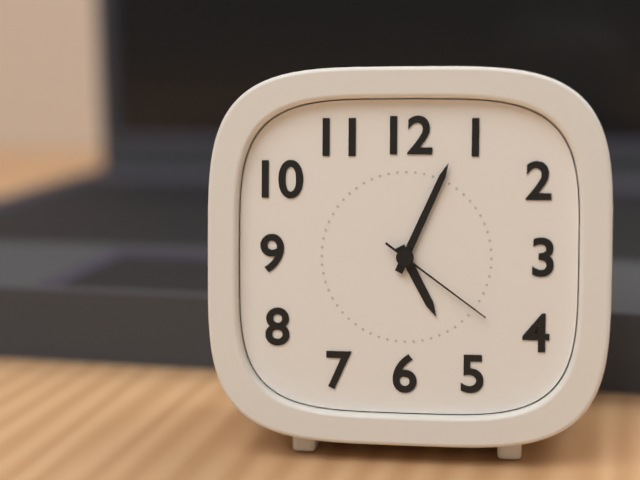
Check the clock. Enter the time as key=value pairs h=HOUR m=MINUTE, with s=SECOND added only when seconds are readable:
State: h=5 m=4 s=21
